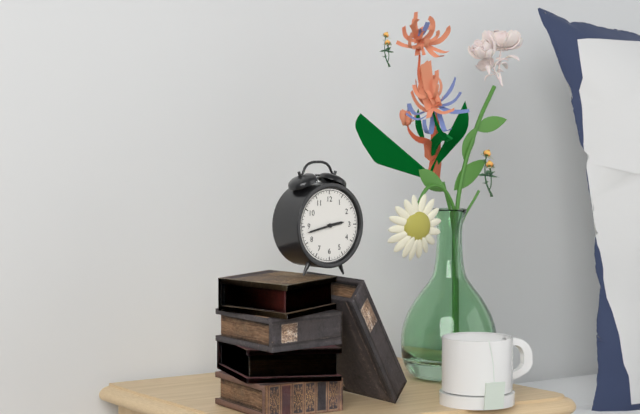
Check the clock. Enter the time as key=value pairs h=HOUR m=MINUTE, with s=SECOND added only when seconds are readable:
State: h=2 m=43
